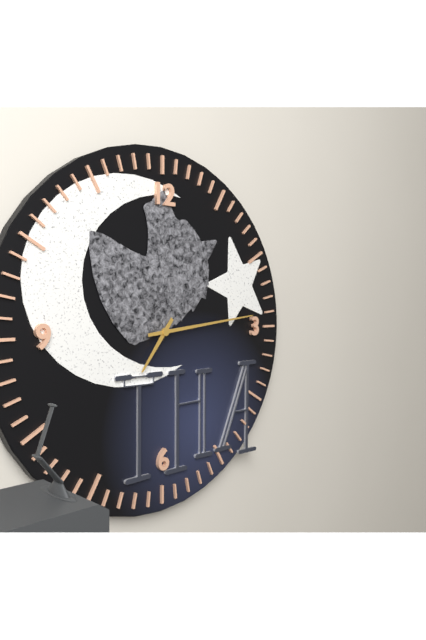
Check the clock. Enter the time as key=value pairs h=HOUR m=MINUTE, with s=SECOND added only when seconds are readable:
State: h=7 m=14
